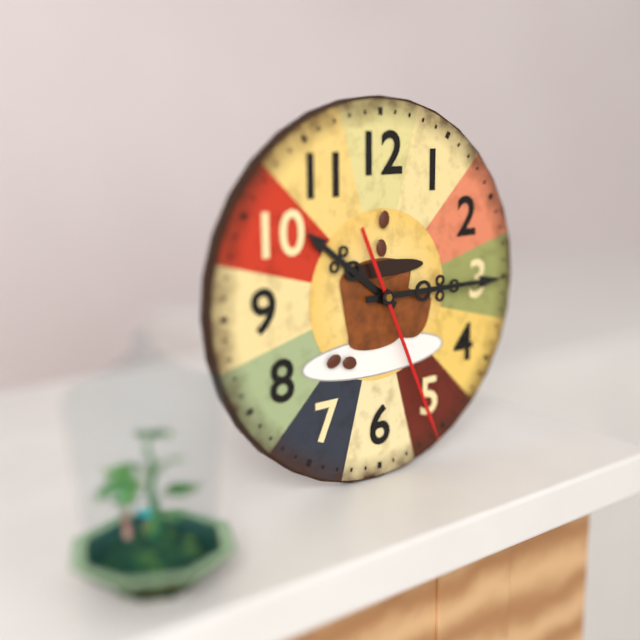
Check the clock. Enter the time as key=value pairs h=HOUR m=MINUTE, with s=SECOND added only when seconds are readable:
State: h=10 m=15 s=26
